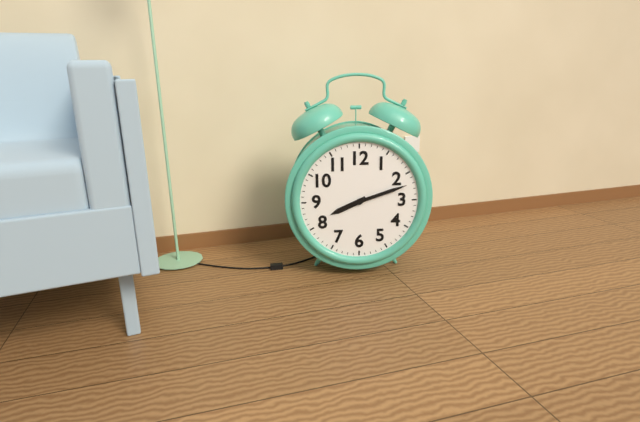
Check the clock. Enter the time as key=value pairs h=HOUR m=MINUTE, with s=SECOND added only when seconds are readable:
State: h=8 m=12
